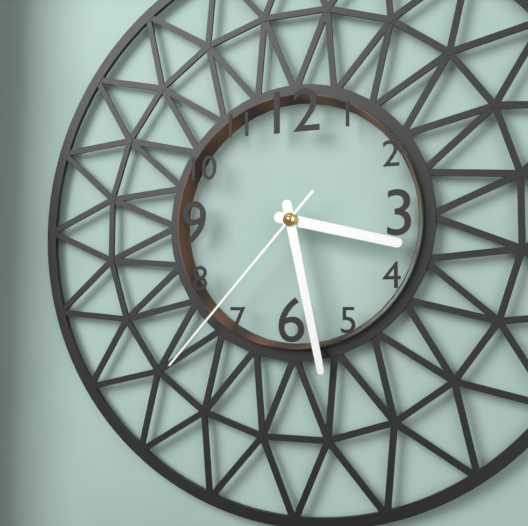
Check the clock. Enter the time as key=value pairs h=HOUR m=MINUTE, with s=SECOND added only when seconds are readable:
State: h=3 m=28 s=37
